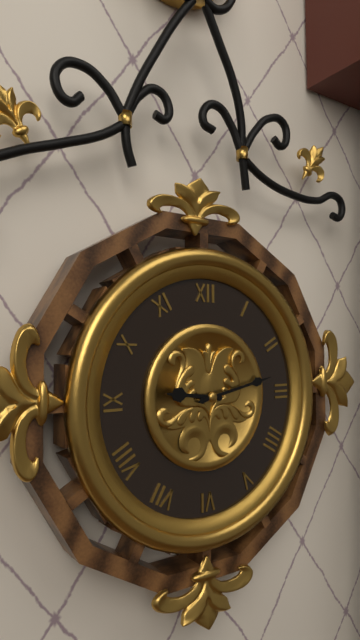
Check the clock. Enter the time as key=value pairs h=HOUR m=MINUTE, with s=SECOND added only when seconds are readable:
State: h=9 m=13
